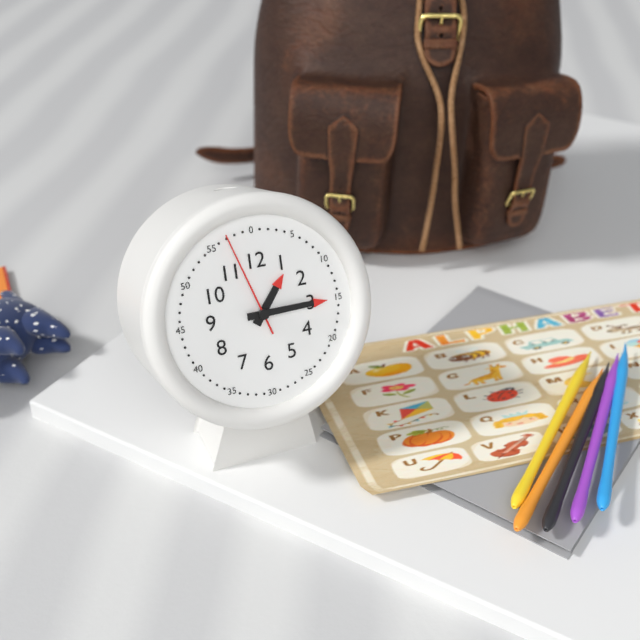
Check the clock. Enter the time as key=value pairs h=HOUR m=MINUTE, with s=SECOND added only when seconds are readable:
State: h=1 m=15 s=57
